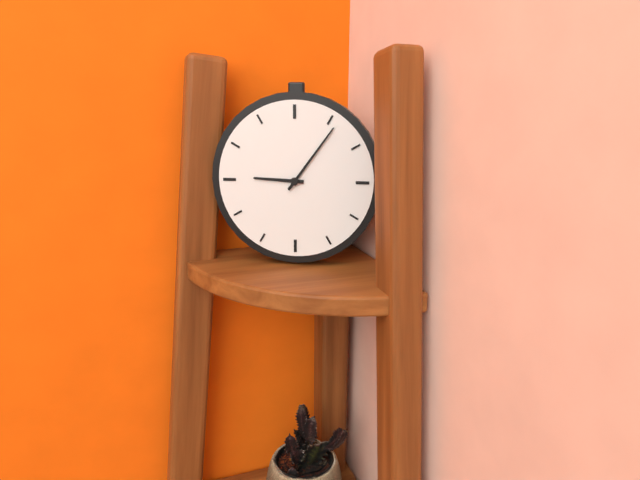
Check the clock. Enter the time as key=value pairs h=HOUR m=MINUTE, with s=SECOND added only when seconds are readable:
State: h=9 m=6
